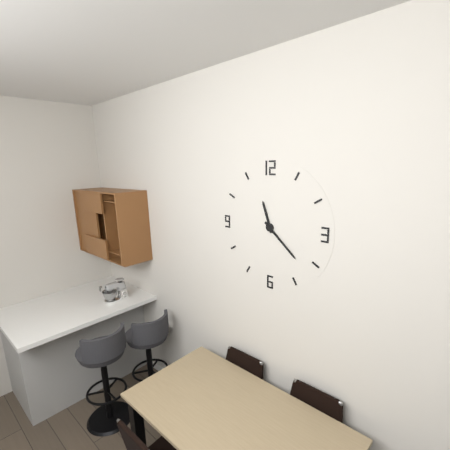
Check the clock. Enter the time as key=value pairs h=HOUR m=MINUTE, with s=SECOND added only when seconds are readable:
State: h=11 m=22
